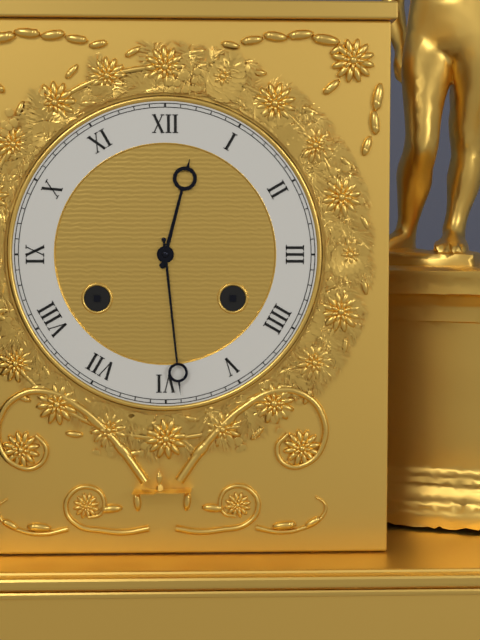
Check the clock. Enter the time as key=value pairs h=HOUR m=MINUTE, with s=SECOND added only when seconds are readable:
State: h=12 m=29
